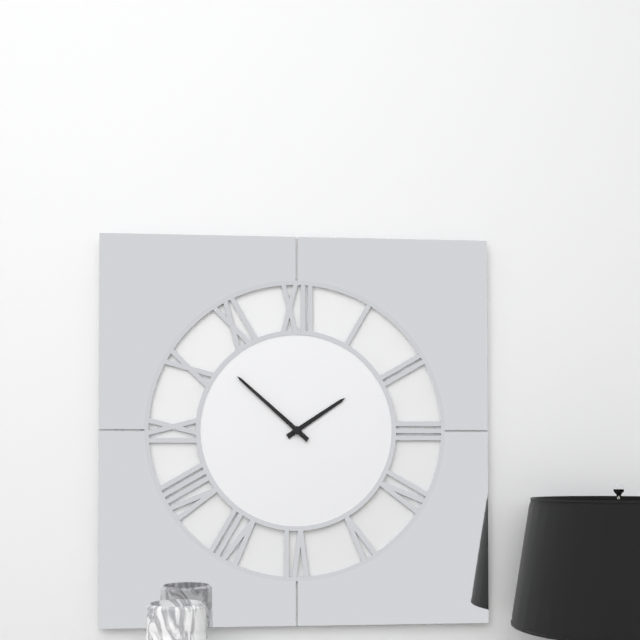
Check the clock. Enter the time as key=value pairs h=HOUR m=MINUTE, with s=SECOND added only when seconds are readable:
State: h=1 m=52
